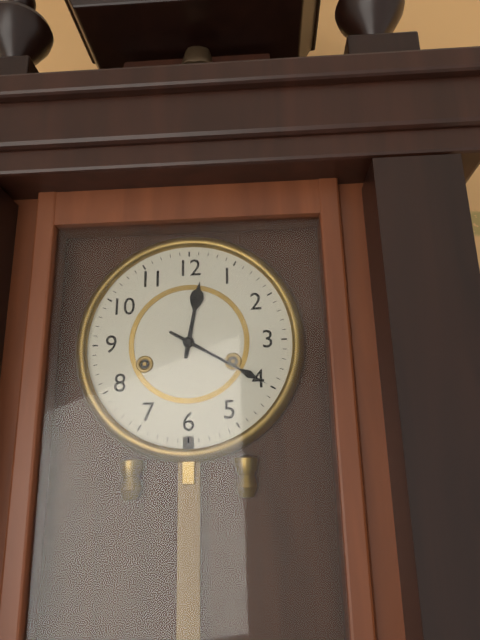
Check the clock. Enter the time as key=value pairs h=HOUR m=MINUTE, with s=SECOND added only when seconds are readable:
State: h=12 m=20
